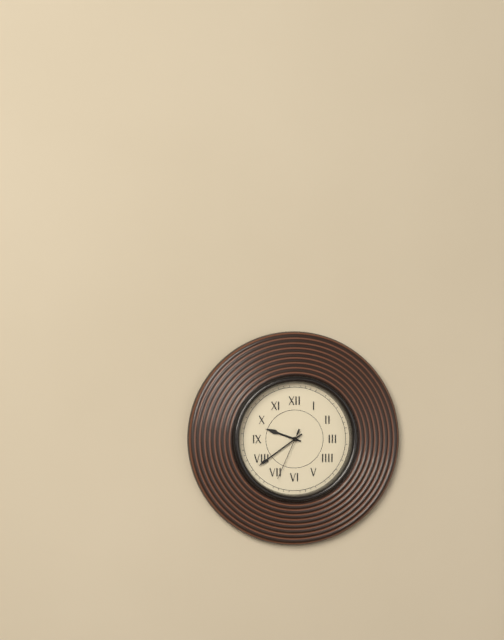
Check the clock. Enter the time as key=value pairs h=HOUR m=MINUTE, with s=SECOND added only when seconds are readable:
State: h=9 m=39 s=34
